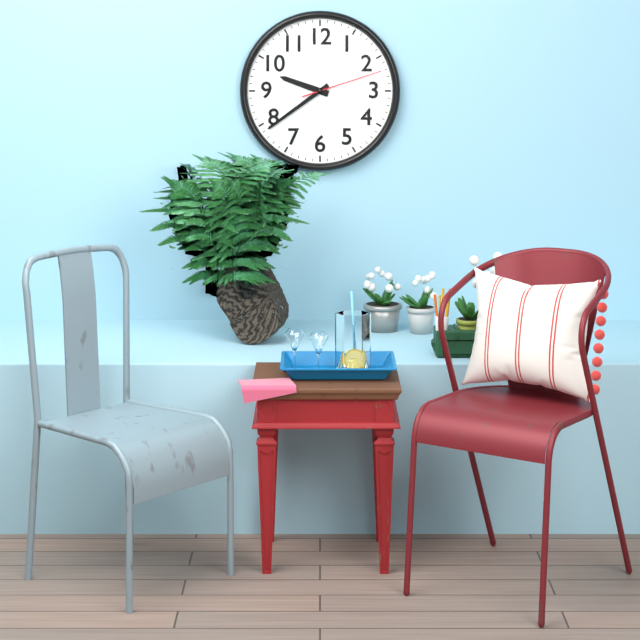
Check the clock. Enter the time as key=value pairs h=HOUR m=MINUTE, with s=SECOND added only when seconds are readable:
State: h=9 m=39 s=12
